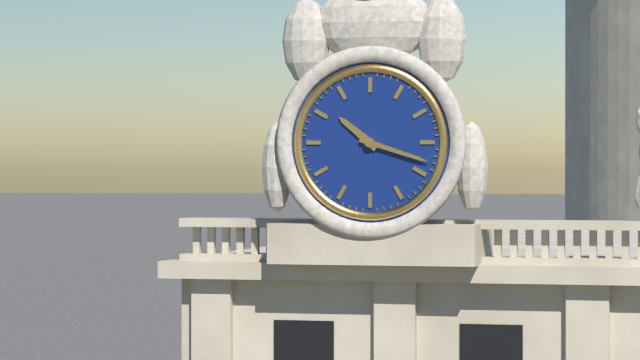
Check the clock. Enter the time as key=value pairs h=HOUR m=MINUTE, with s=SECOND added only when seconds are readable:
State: h=10 m=18
